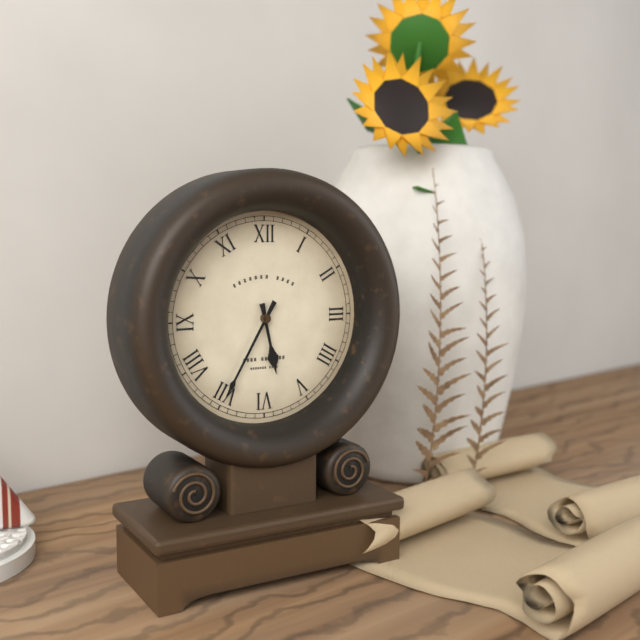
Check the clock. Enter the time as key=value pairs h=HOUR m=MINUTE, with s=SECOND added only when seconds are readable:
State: h=5 m=35
